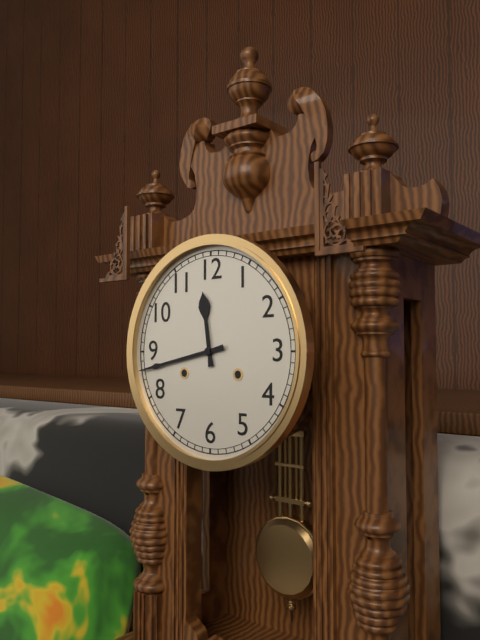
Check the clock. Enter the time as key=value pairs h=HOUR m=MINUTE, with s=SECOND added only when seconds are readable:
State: h=11 m=43
